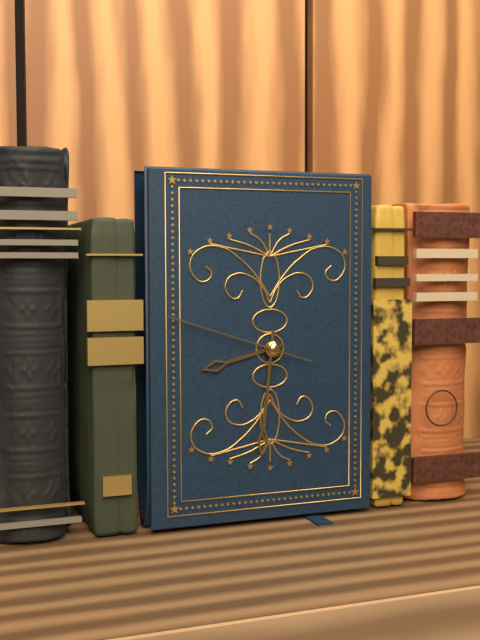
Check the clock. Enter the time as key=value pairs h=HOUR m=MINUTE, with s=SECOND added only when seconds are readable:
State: h=8 m=31 s=48
